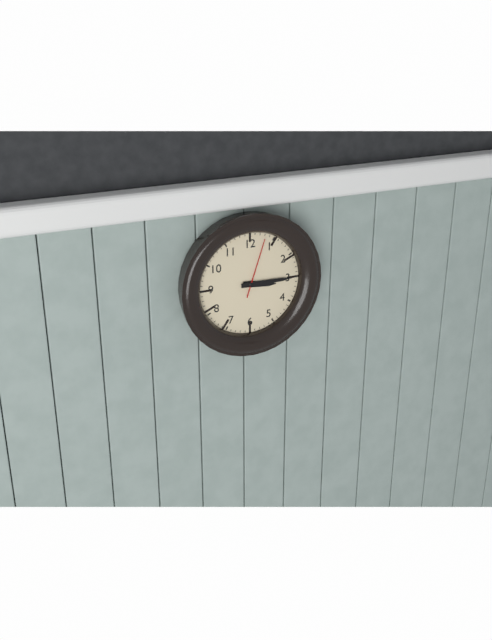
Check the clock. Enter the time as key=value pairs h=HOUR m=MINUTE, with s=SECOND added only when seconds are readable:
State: h=3 m=15 s=3
